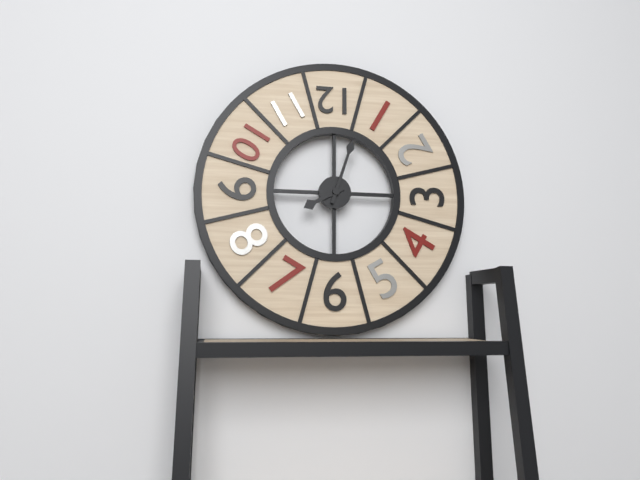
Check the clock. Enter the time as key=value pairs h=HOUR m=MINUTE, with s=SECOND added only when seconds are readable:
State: h=8 m=3
